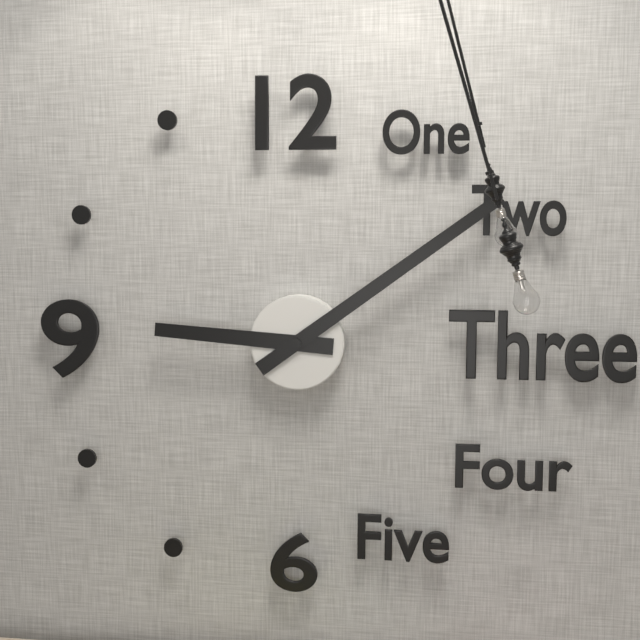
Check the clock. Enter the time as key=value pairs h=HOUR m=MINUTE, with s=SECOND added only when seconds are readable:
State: h=9 m=9
